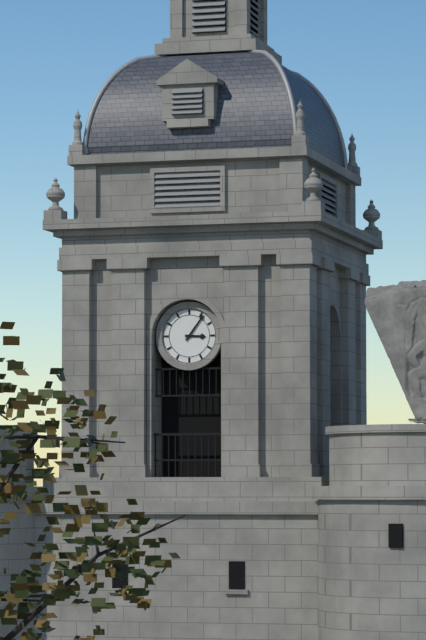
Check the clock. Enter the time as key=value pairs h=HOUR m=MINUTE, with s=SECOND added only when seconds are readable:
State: h=3 m=6
